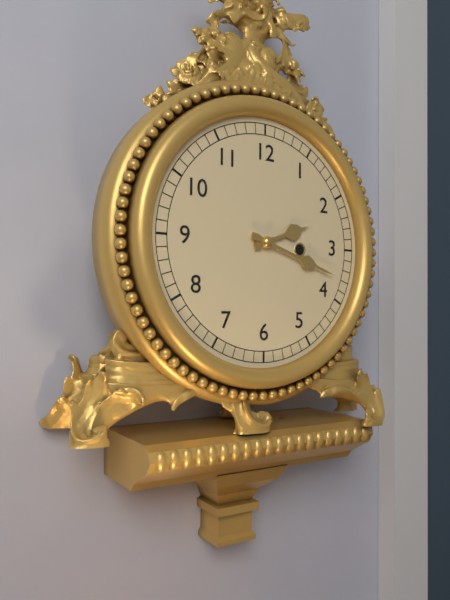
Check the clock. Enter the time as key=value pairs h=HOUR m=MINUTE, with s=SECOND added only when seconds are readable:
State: h=2 m=18
